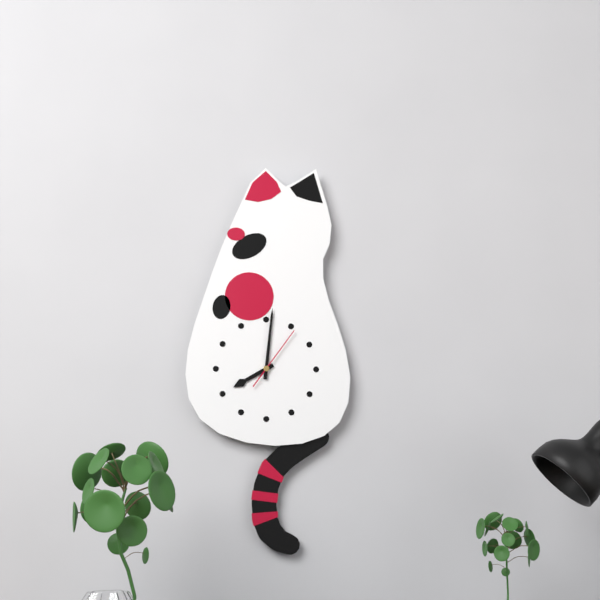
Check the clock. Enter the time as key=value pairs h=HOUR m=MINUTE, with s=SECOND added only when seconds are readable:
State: h=8 m=1 s=6
